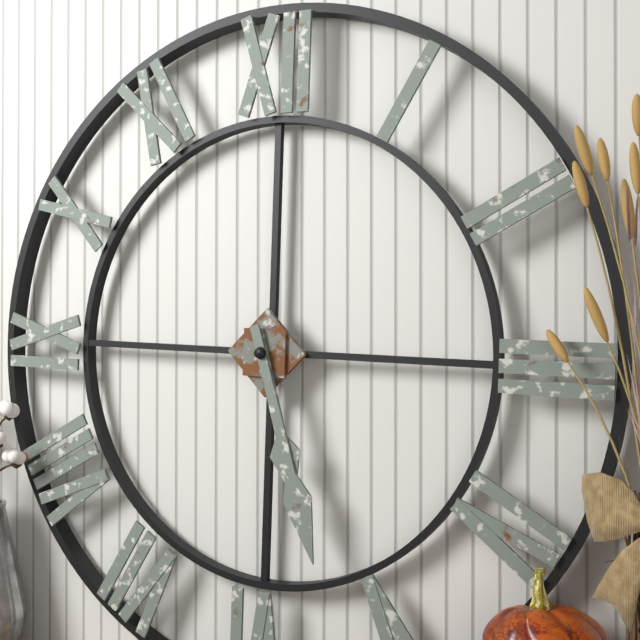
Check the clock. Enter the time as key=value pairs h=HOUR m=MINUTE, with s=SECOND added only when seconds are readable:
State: h=5 m=27
